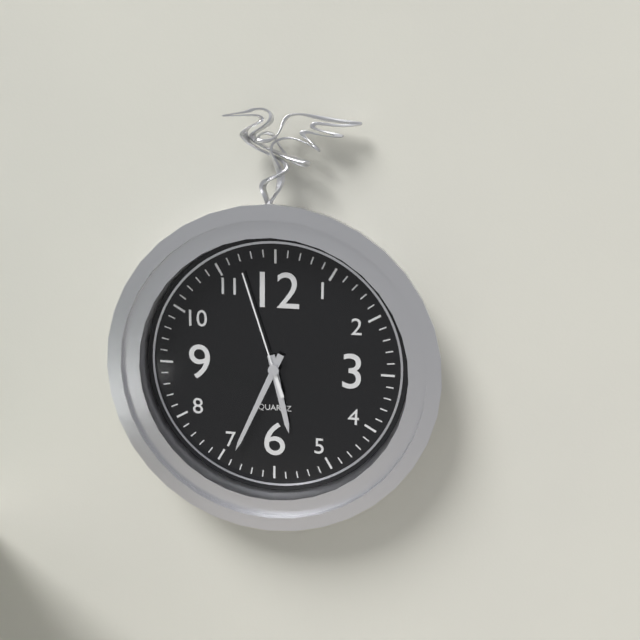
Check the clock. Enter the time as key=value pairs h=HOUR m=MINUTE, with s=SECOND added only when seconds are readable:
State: h=5 m=34 s=57
